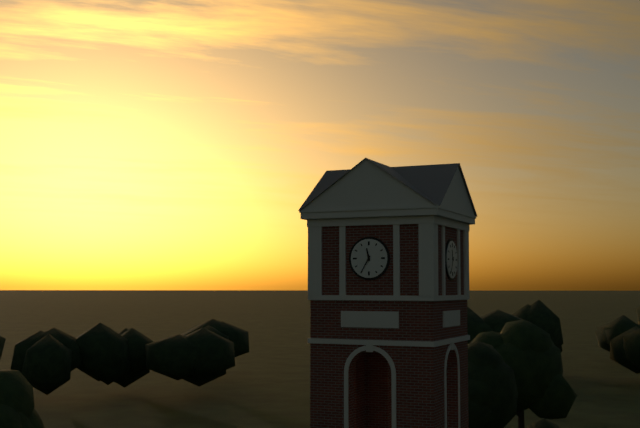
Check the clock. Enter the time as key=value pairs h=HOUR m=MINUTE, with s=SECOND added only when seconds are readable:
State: h=11 m=35
